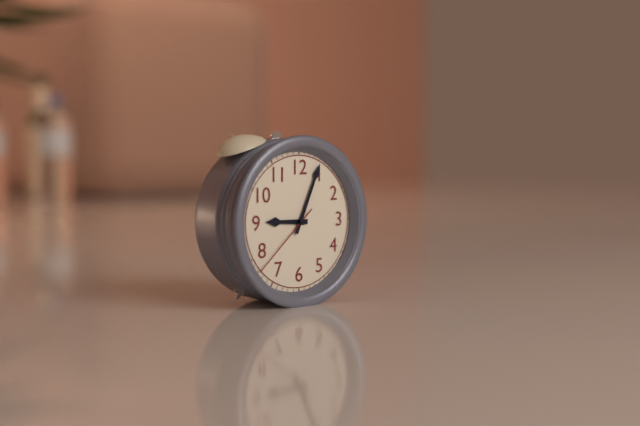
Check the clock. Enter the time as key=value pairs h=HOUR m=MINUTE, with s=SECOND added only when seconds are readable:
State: h=9 m=4 s=38
